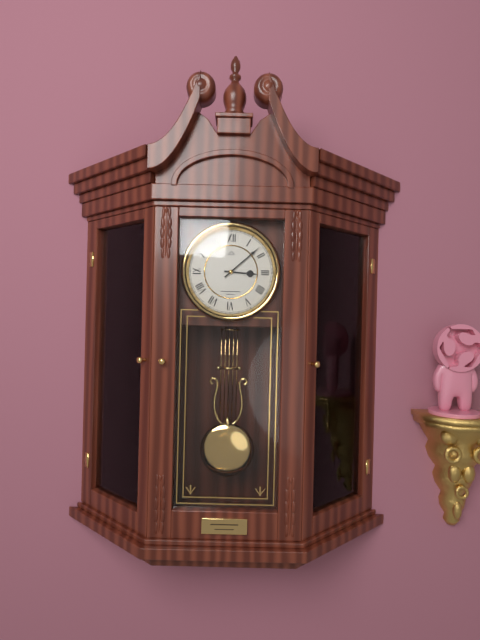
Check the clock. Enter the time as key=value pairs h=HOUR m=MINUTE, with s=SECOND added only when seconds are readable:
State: h=3 m=8
